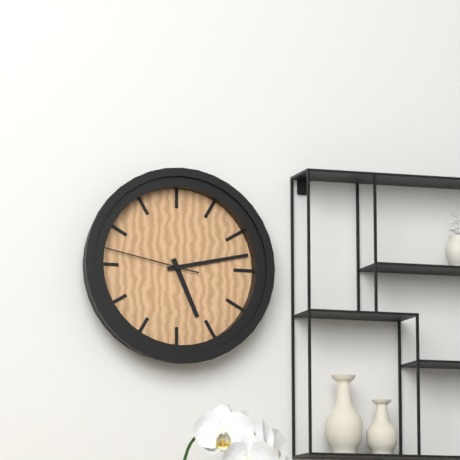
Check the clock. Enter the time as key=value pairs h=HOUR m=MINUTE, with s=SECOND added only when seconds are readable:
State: h=5 m=13 s=47
